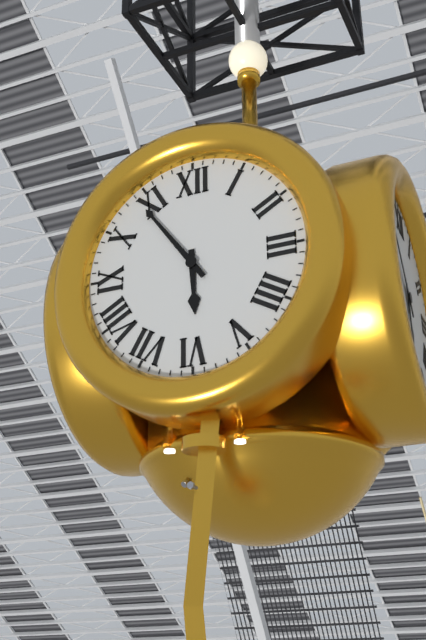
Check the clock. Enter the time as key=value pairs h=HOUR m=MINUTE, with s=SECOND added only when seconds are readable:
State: h=5 m=54
